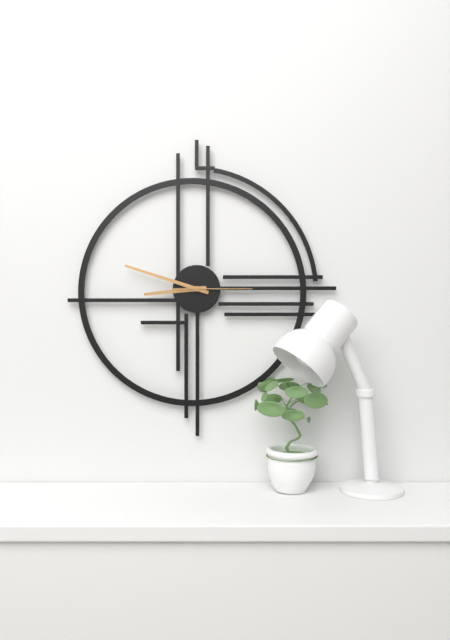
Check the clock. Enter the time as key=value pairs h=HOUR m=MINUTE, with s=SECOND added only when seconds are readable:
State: h=8 m=48 s=15
